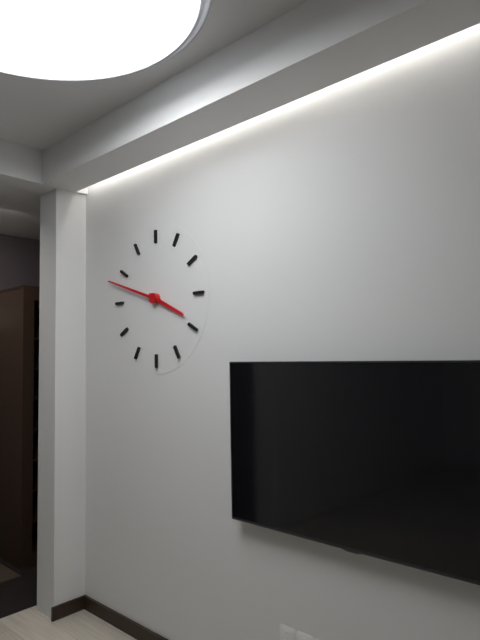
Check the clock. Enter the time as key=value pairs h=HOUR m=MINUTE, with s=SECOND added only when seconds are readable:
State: h=3 m=48
